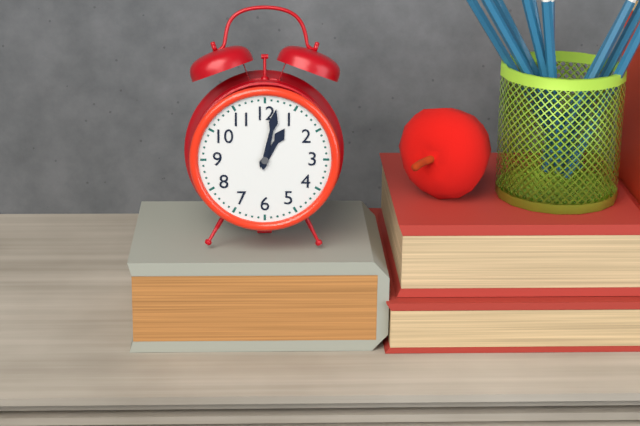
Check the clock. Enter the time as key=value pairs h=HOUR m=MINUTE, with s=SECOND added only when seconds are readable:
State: h=1 m=2
